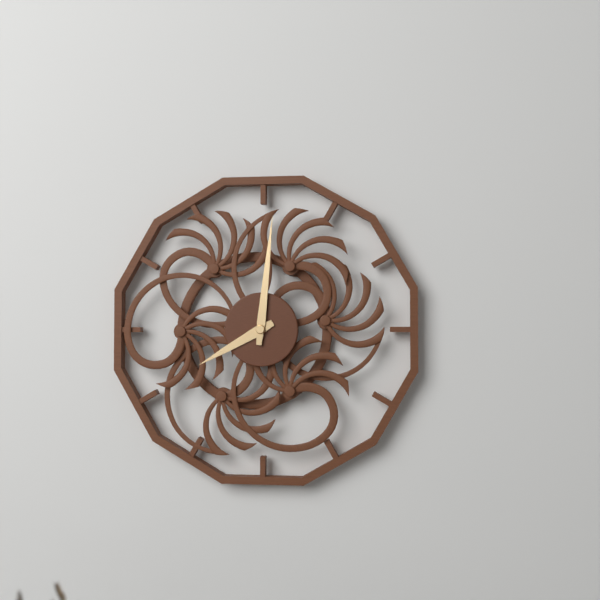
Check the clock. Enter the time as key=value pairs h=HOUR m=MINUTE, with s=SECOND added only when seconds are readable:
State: h=8 m=1
